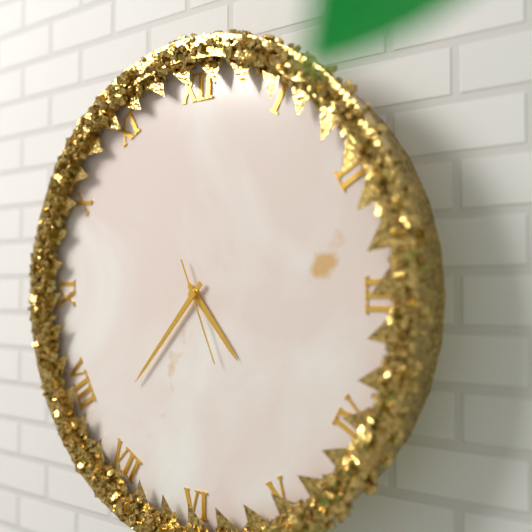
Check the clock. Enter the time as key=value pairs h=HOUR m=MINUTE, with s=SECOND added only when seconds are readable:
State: h=4 m=37 s=26
